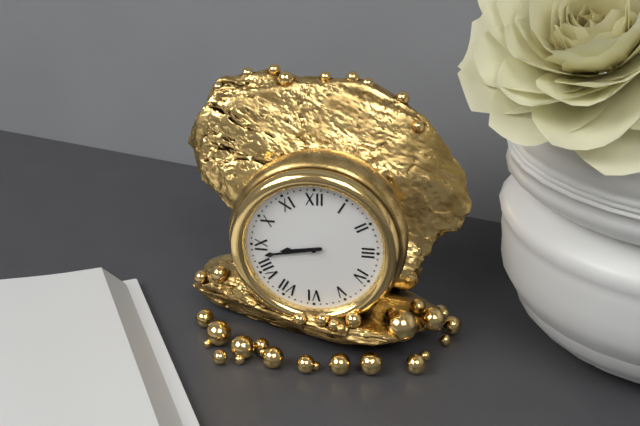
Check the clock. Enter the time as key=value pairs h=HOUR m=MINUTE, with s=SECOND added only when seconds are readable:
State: h=8 m=43
